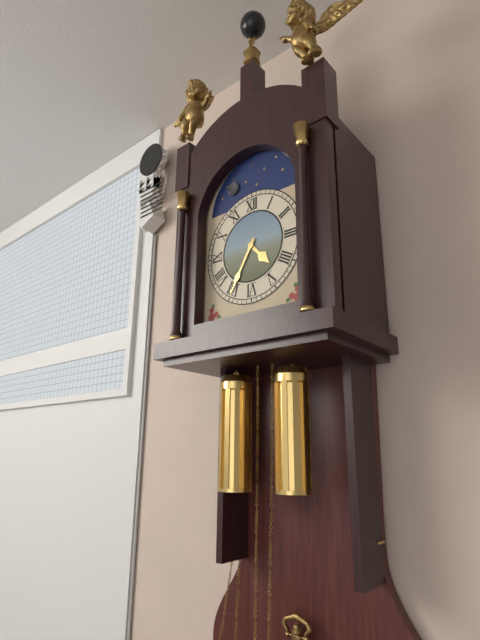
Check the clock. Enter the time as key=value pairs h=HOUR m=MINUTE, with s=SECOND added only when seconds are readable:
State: h=4 m=35
